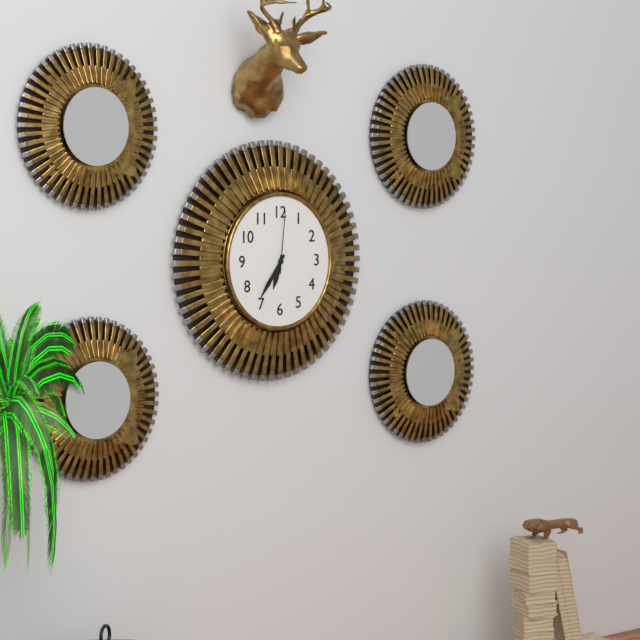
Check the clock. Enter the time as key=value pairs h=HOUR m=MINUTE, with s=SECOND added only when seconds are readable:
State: h=6 m=36 s=1
